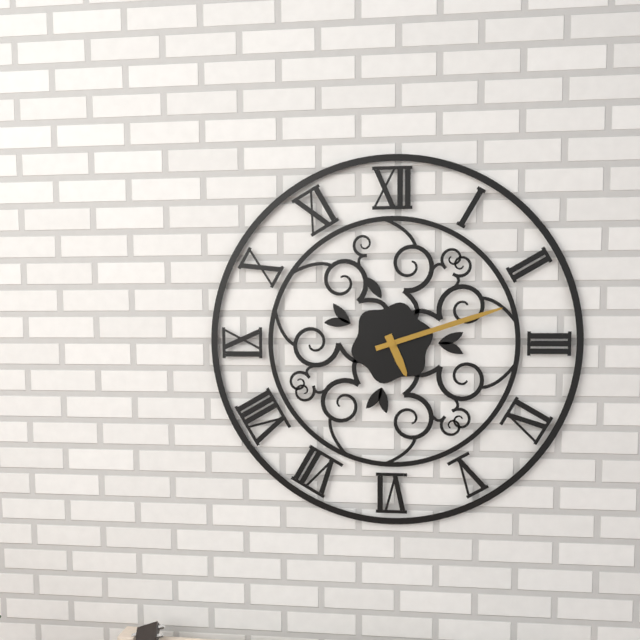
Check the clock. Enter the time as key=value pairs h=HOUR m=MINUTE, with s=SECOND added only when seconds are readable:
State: h=5 m=12
